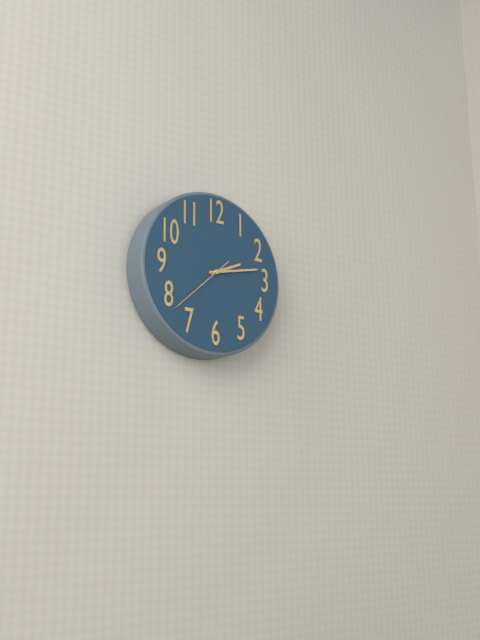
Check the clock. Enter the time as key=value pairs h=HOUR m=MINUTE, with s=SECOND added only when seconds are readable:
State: h=2 m=13 s=38
